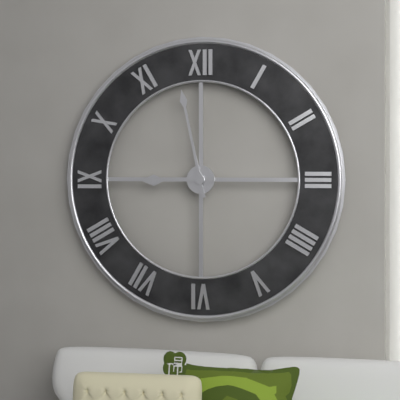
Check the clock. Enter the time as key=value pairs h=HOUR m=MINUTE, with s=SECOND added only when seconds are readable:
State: h=8 m=58
